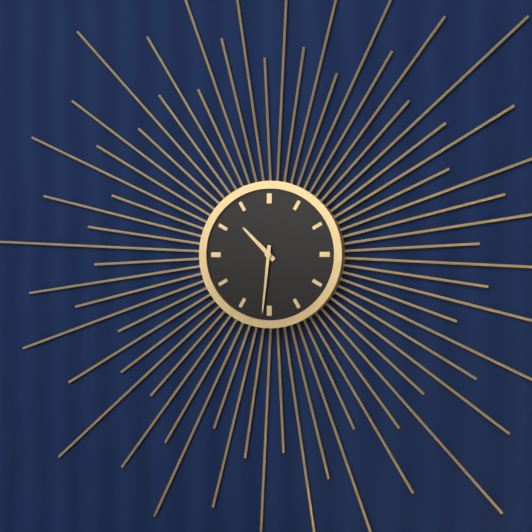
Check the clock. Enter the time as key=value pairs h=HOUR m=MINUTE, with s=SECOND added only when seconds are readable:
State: h=10 m=31
